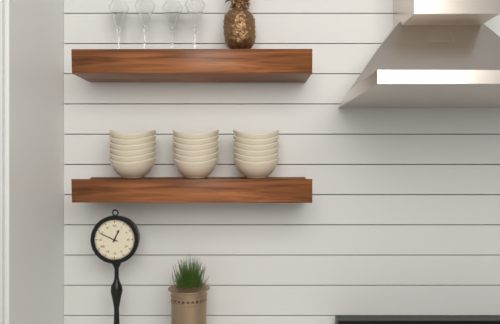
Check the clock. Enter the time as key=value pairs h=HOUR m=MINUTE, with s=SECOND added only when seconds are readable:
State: h=12 m=49
